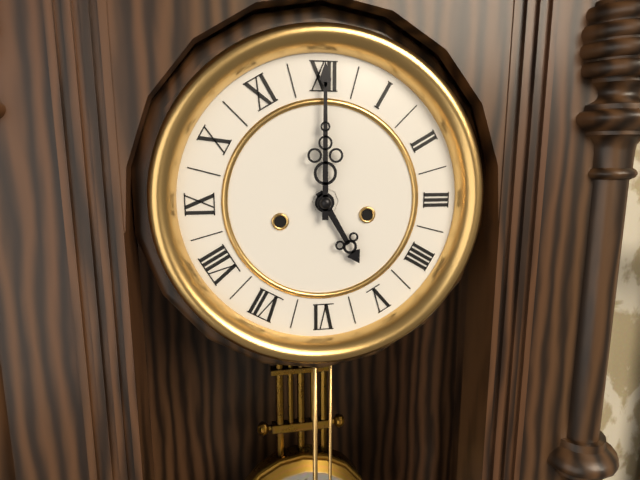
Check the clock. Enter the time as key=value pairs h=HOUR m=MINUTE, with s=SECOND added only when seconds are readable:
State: h=5 m=0
